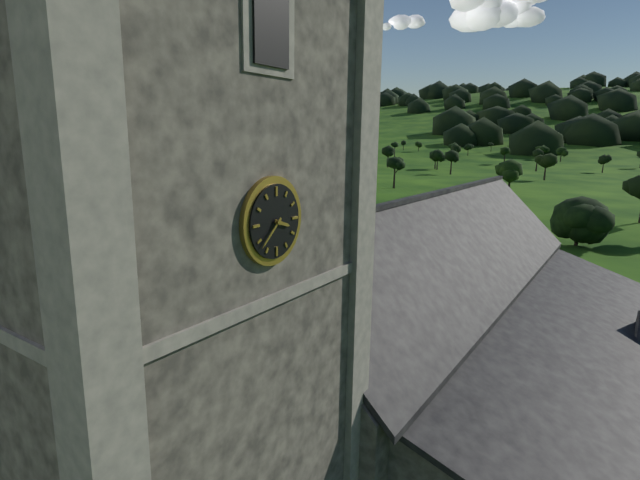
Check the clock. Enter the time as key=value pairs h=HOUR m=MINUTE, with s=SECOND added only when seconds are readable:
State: h=3 m=38
